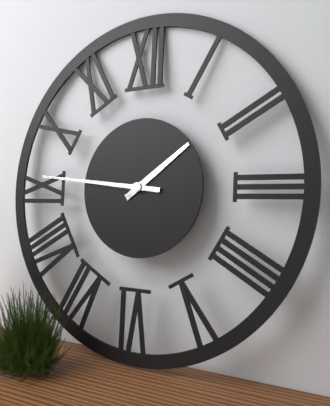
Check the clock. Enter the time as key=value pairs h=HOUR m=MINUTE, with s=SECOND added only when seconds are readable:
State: h=1 m=46
